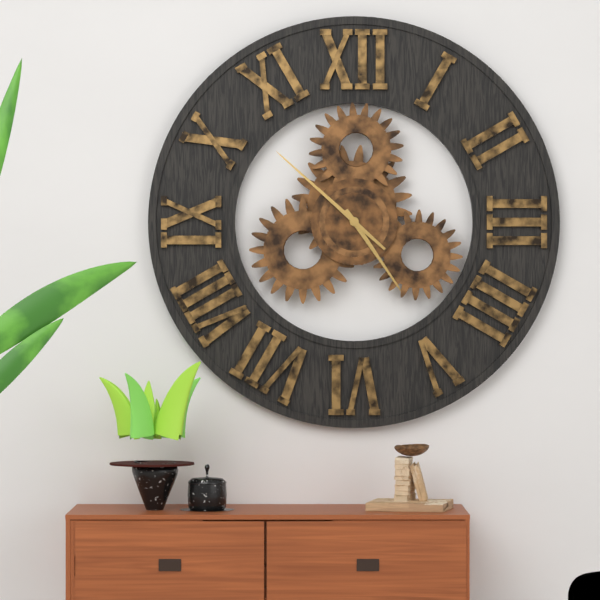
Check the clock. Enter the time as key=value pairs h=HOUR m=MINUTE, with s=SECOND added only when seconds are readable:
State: h=4 m=52
